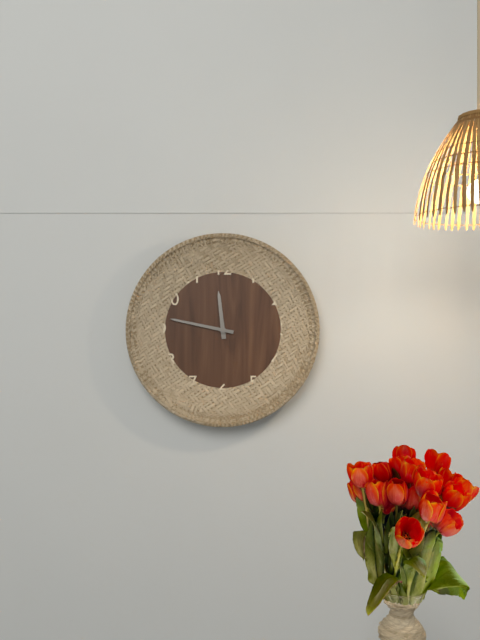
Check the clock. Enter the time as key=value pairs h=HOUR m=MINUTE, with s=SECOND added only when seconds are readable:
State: h=11 m=47
